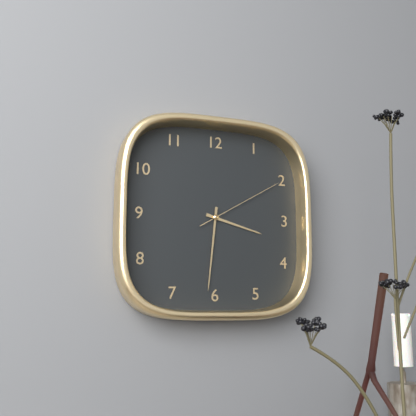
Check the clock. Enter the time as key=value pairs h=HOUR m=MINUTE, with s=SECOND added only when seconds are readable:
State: h=3 m=31 s=10
